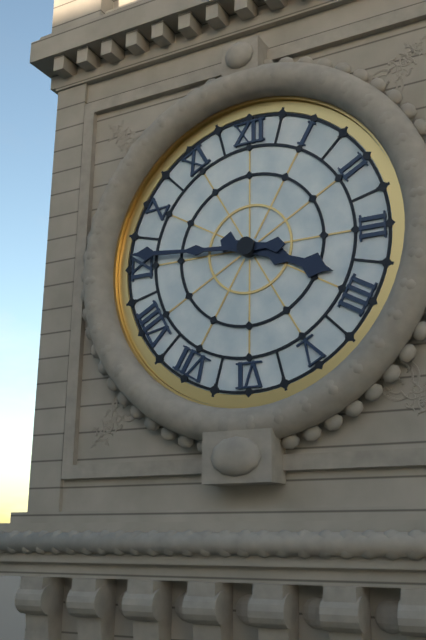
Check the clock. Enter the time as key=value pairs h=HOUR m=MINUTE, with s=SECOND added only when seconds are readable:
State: h=3 m=46
